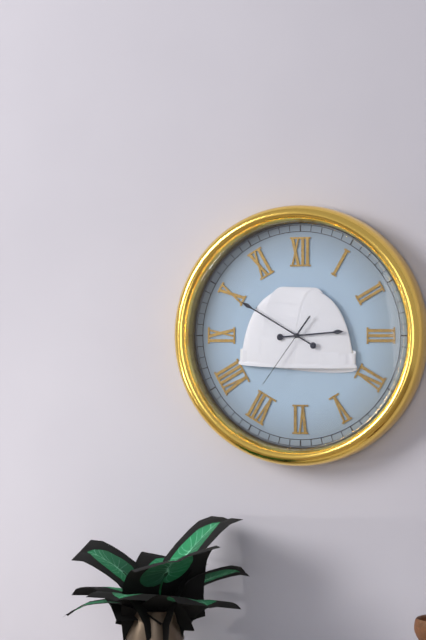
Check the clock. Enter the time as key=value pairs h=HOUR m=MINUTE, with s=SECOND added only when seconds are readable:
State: h=2 m=50 s=36
